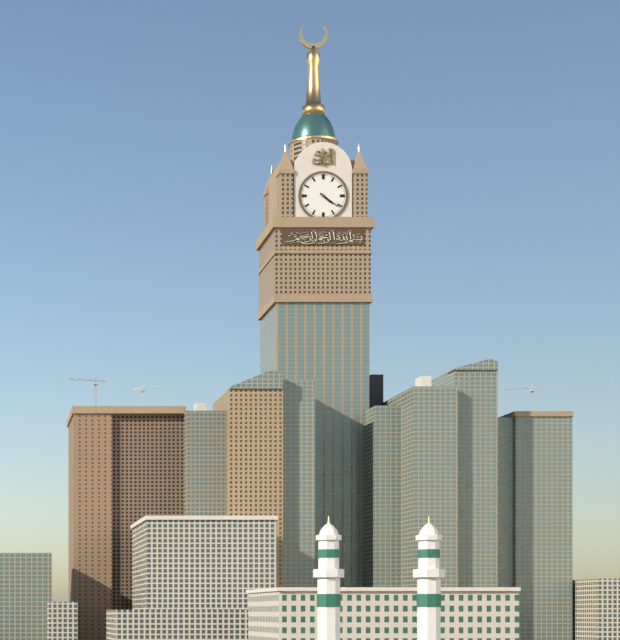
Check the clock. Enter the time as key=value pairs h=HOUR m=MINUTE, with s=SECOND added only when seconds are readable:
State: h=4 m=21
